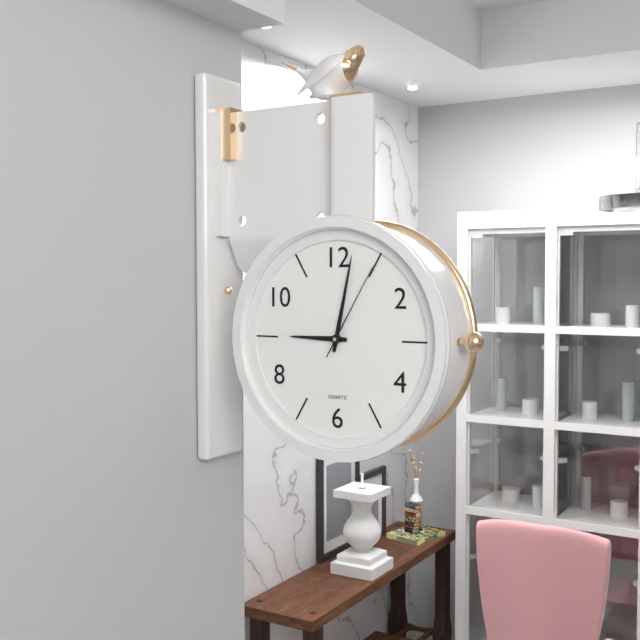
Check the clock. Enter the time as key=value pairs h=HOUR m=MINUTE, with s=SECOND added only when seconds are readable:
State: h=9 m=2 s=5
